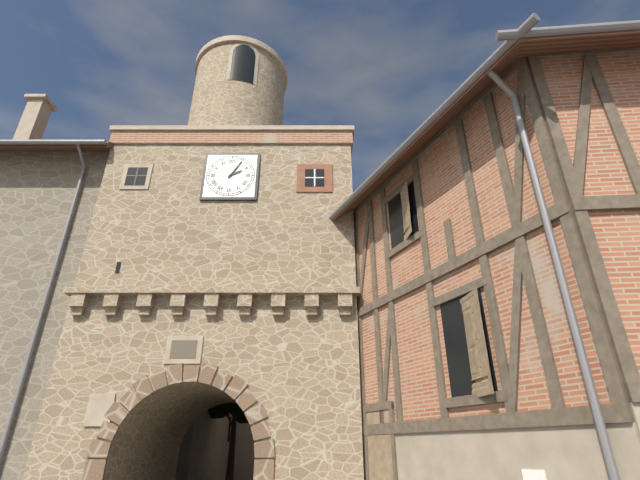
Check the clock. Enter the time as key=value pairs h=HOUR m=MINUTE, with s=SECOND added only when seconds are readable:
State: h=2 m=5
